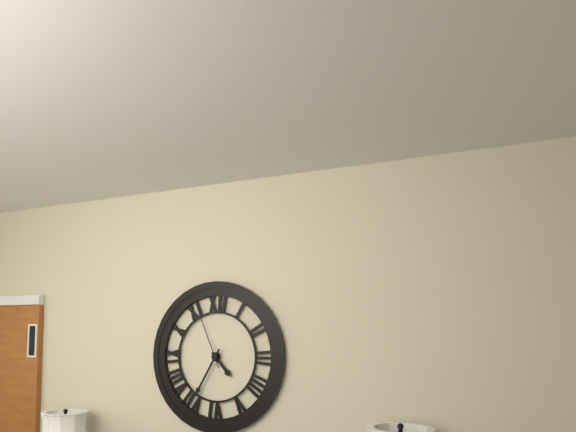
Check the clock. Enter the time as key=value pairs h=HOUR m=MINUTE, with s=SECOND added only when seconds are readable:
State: h=4 m=35 s=56
